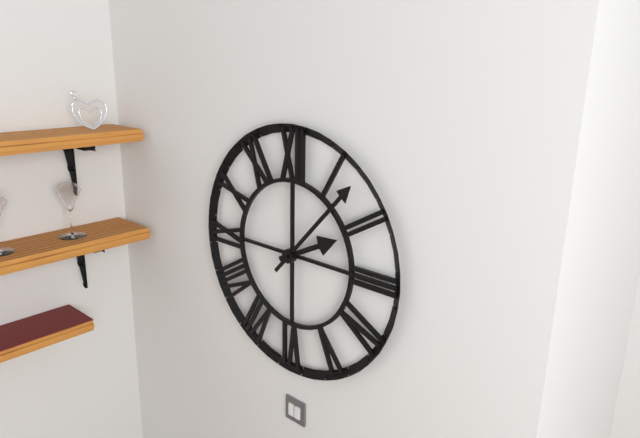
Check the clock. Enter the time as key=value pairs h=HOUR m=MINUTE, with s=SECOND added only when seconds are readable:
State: h=2 m=7
